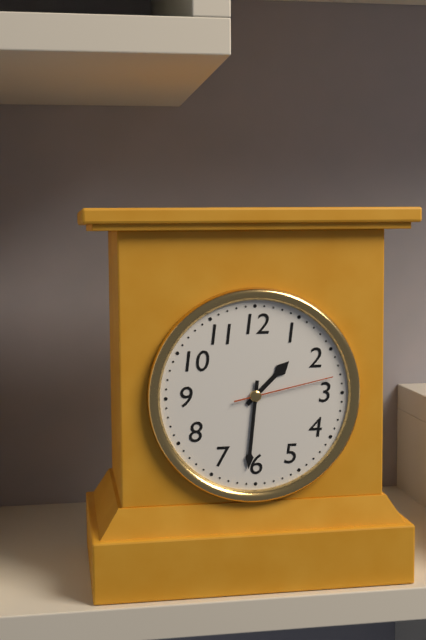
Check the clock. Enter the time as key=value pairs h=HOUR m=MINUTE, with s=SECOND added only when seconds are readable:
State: h=1 m=31 s=13
